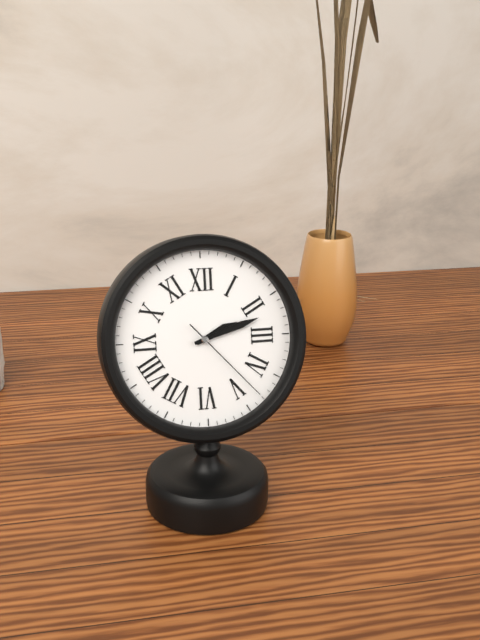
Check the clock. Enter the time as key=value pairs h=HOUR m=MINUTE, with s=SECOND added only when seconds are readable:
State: h=2 m=12 s=23
